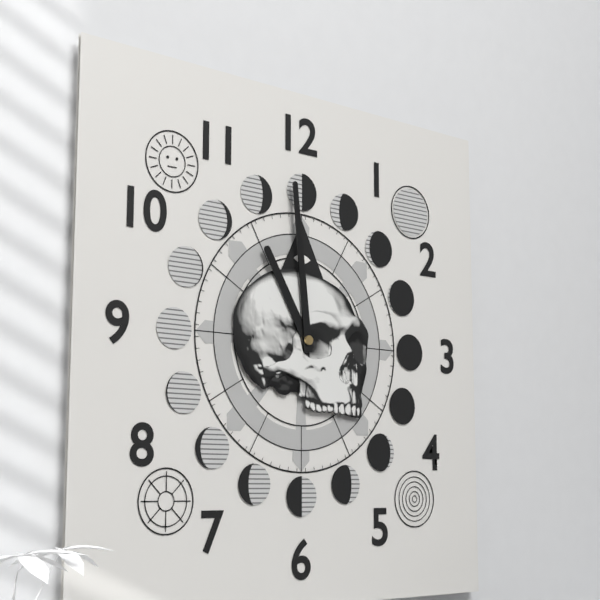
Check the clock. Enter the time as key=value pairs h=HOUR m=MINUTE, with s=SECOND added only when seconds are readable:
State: h=10 m=59
